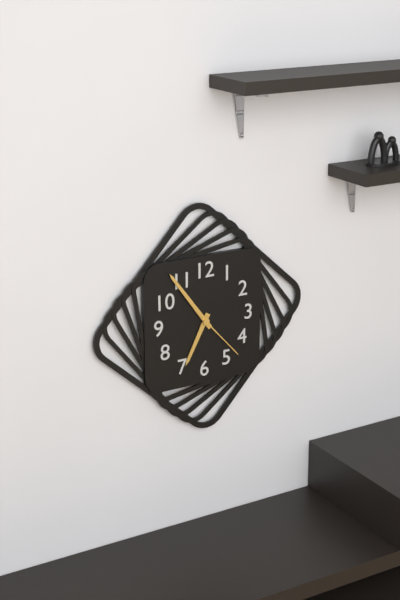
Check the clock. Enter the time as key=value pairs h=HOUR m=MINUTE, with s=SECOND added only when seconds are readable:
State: h=6 m=54 s=23
